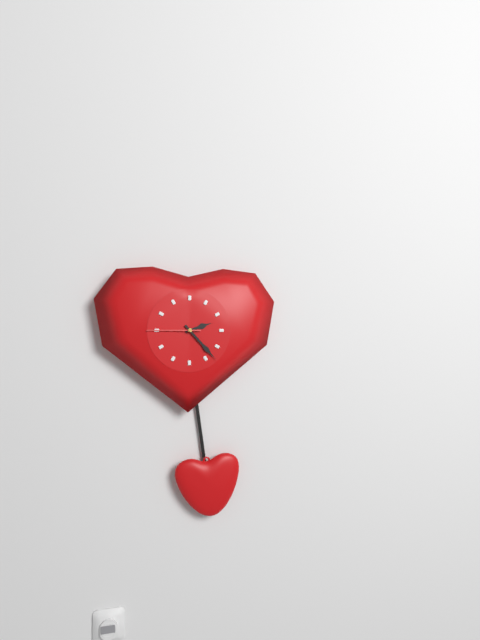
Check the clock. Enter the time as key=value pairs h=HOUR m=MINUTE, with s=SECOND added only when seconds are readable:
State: h=2 m=23 s=45
